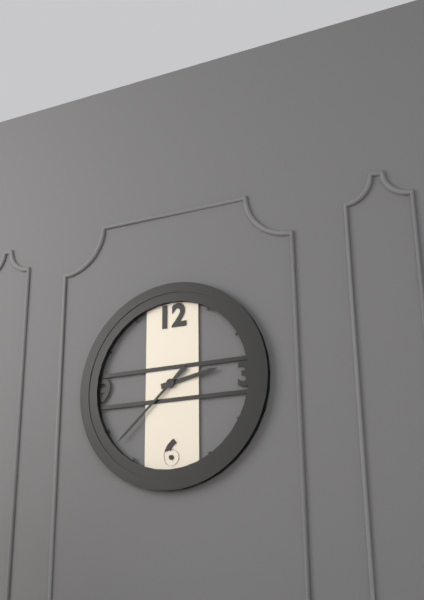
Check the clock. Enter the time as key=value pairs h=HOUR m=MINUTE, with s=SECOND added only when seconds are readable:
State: h=2 m=38
